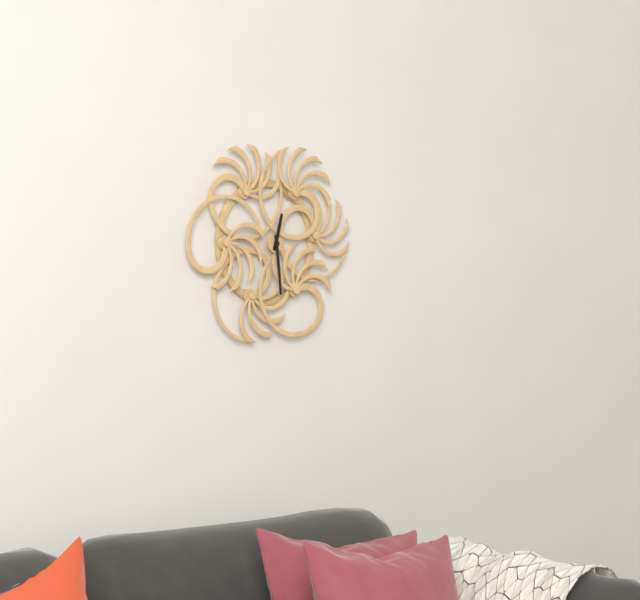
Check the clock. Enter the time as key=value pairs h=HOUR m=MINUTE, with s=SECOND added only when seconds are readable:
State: h=12 m=29
